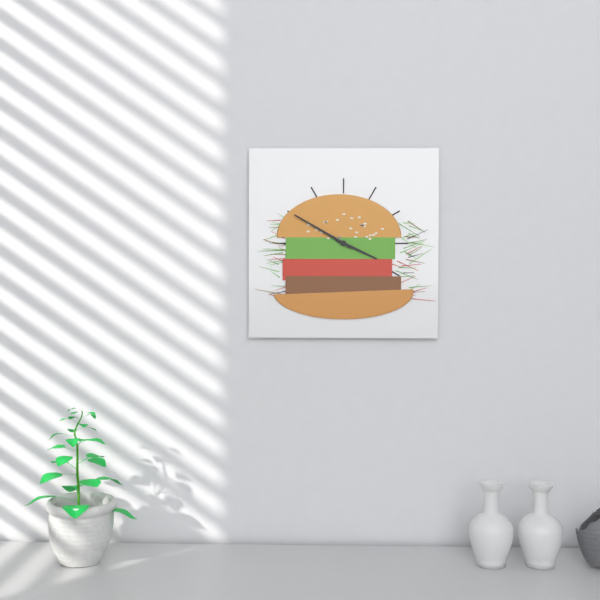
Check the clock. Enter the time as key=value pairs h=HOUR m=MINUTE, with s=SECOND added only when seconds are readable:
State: h=3 m=50
